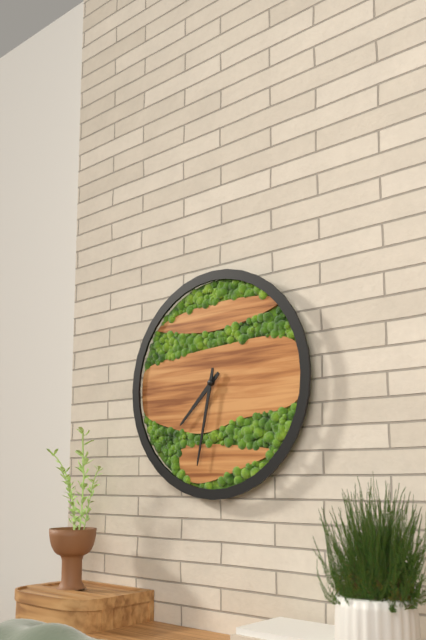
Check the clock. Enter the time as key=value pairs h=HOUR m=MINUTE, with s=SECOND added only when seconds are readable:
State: h=7 m=32
